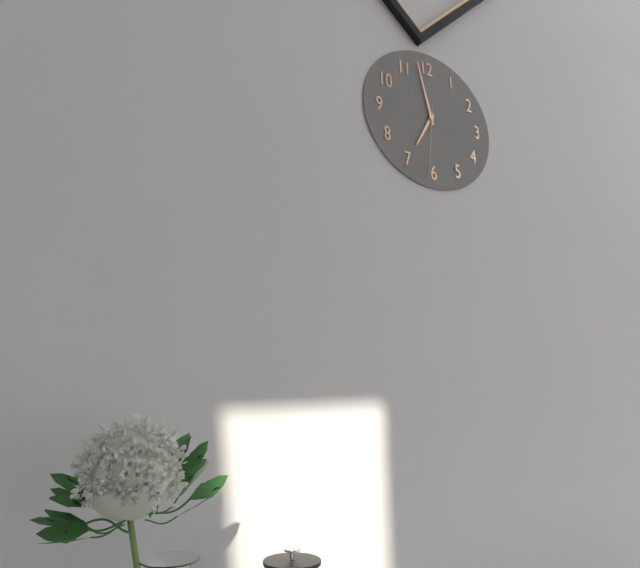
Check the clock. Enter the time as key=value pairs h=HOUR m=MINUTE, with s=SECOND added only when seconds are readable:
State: h=6 m=58 s=31
